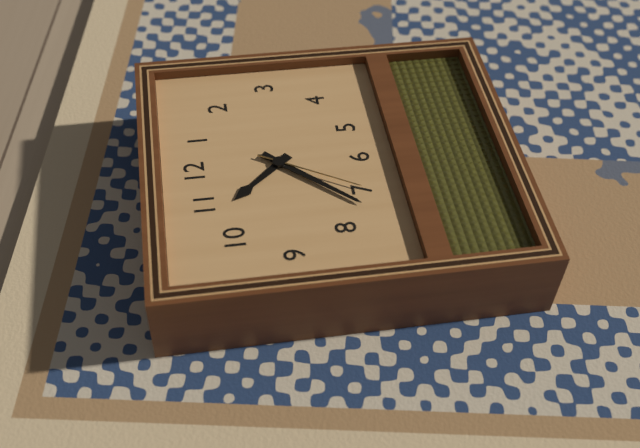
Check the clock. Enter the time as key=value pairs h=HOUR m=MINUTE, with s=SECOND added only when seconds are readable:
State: h=10 m=37 s=35
